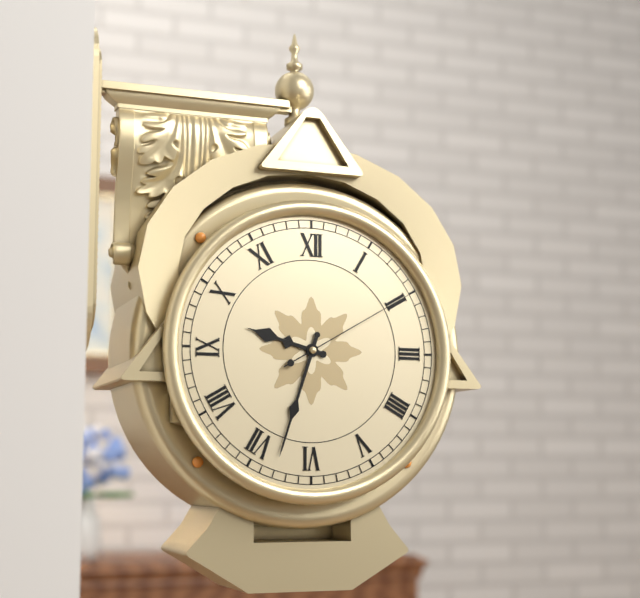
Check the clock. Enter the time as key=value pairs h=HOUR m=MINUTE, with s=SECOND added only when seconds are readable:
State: h=9 m=33 s=10
